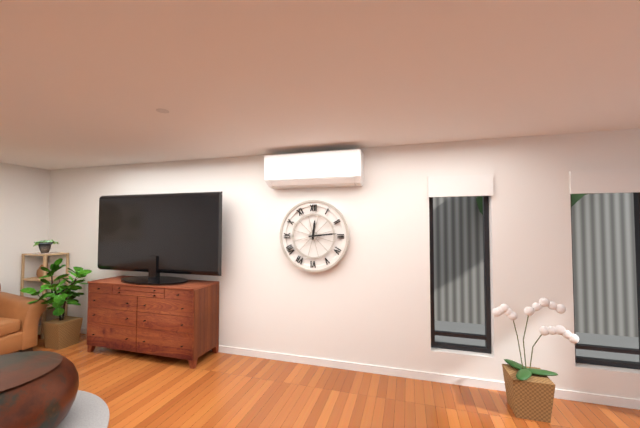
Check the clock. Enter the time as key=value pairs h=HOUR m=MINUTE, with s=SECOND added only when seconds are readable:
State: h=12 m=14
